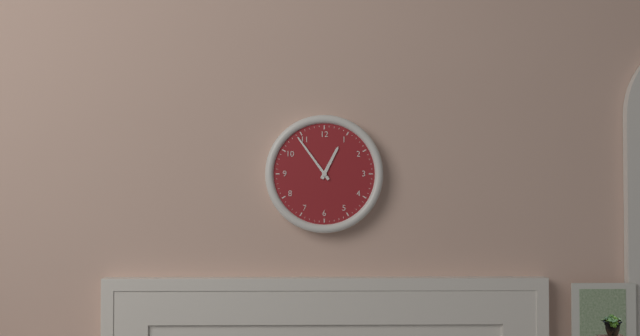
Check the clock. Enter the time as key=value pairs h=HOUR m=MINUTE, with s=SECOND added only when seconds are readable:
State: h=12 m=54
